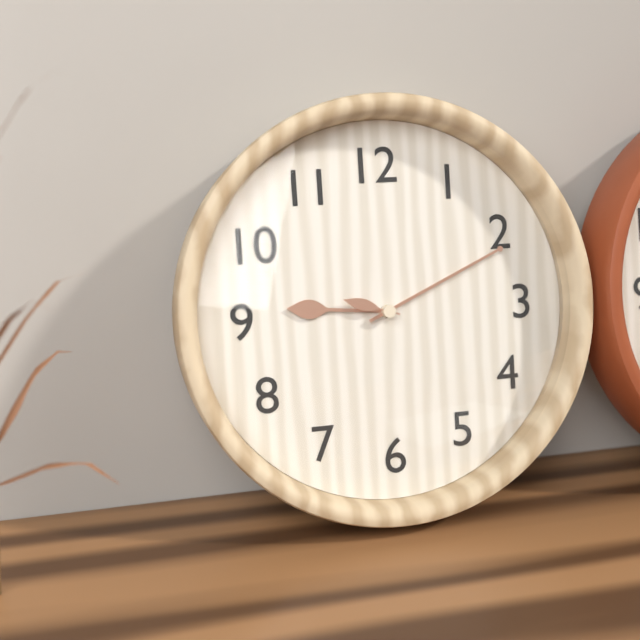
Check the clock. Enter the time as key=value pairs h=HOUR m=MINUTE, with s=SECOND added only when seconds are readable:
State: h=9 m=11 s=48
